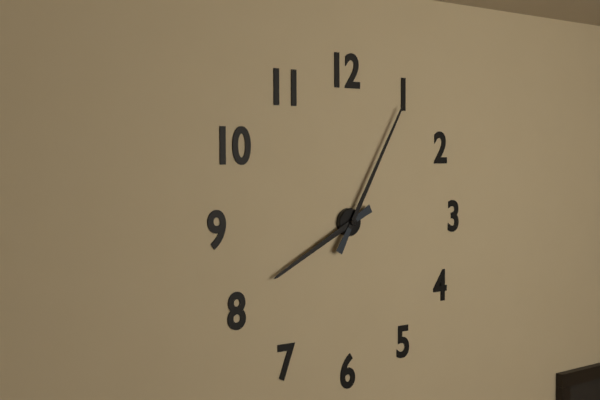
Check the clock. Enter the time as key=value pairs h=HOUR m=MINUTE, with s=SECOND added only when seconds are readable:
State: h=8 m=5
